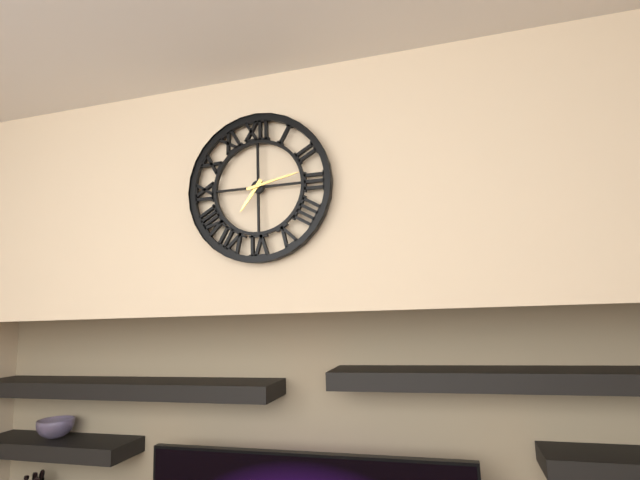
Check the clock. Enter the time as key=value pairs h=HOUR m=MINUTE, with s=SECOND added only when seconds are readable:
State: h=7 m=13
